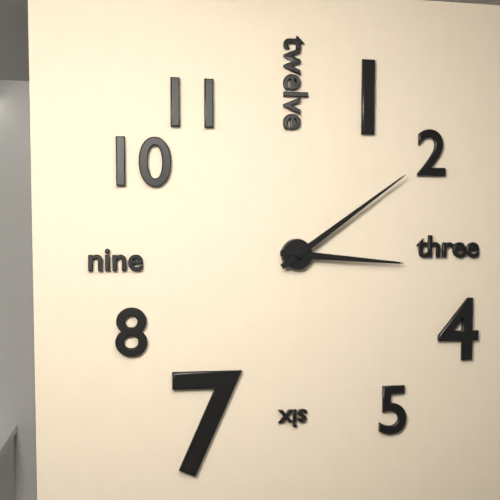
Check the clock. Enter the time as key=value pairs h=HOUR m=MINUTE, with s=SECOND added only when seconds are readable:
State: h=3 m=9
